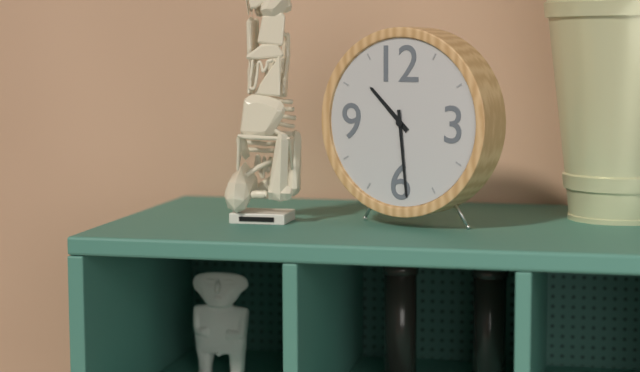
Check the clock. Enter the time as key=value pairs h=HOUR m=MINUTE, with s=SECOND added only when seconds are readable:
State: h=10 m=29
